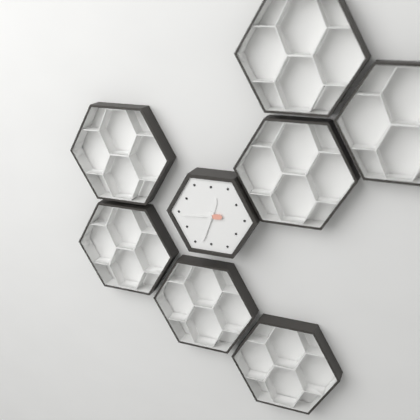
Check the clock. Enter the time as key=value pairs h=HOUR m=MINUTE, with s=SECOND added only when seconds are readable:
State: h=12 m=33
